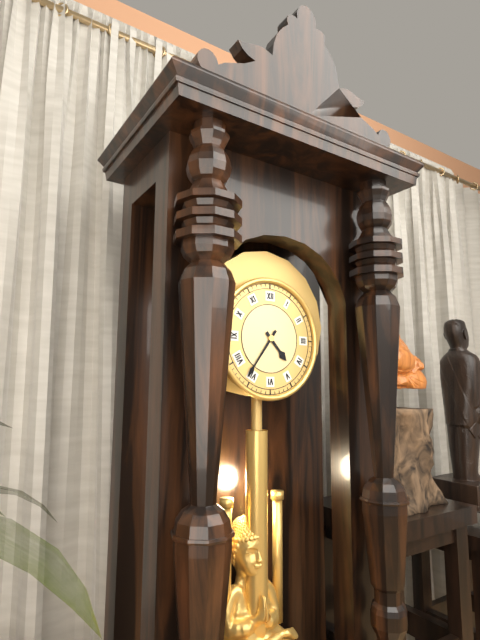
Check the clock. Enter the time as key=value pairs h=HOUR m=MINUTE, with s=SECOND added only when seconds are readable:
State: h=4 m=36
